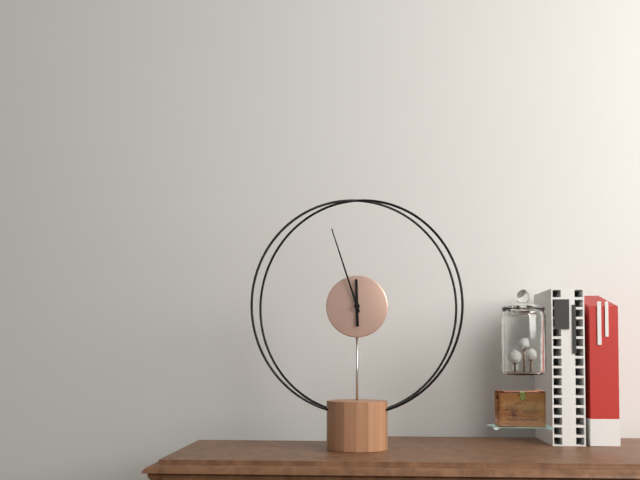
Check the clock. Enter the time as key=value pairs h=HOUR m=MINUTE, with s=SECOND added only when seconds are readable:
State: h=11 m=57
